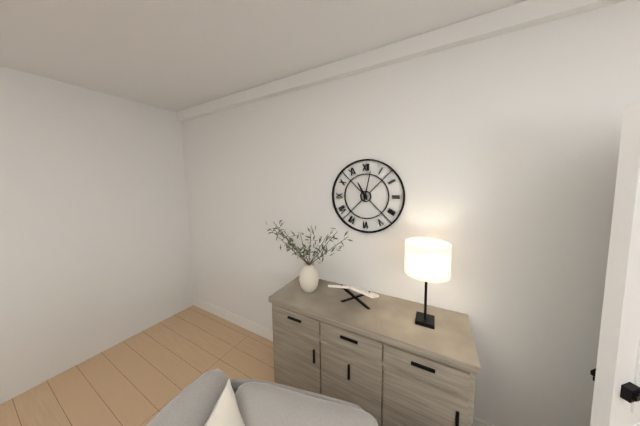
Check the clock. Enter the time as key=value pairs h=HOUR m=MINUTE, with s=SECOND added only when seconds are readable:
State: h=11 m=2
